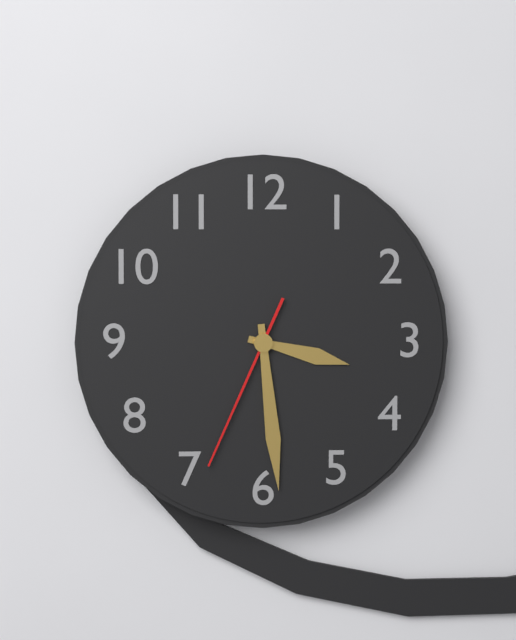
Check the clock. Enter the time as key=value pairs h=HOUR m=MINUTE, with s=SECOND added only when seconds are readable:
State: h=3 m=29 s=34
